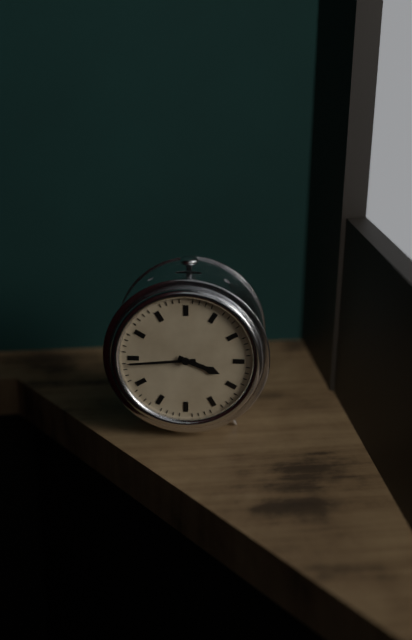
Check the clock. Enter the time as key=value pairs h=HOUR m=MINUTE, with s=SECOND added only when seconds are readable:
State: h=3 m=44
